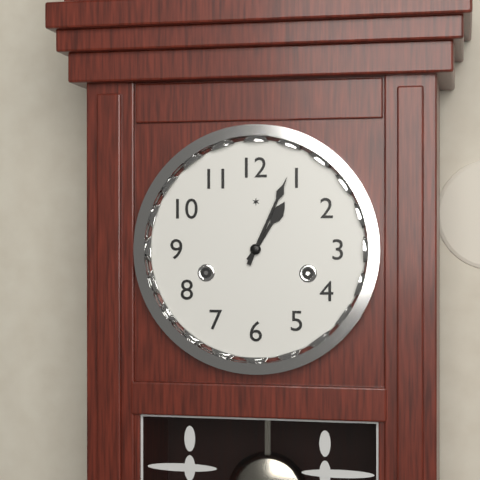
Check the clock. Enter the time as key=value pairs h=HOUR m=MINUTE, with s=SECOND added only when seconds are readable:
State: h=1 m=4
